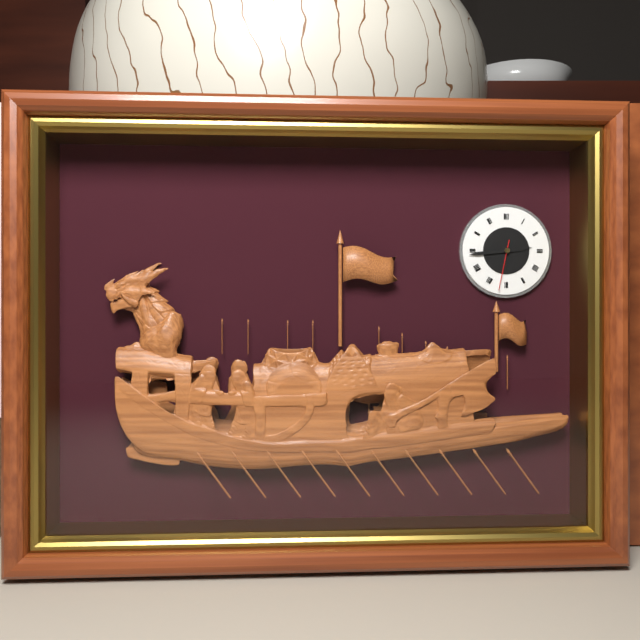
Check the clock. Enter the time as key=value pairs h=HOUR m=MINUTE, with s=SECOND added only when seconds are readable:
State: h=2 m=44
